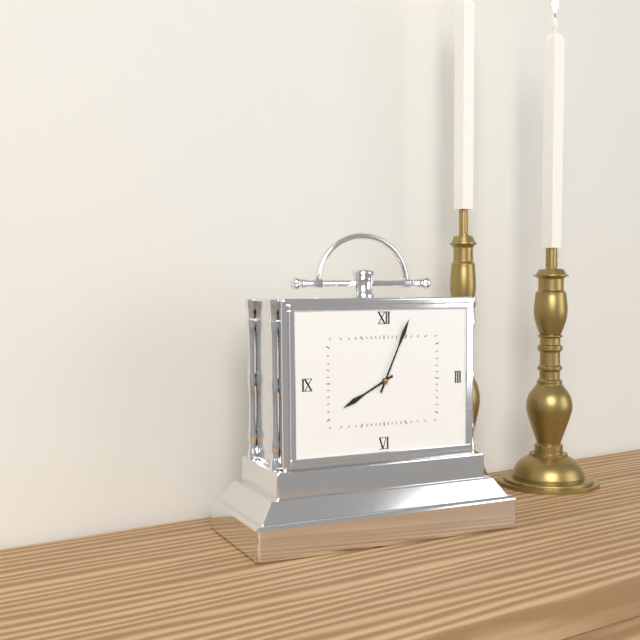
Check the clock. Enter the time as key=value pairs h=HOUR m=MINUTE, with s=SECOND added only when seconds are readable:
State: h=8 m=4
